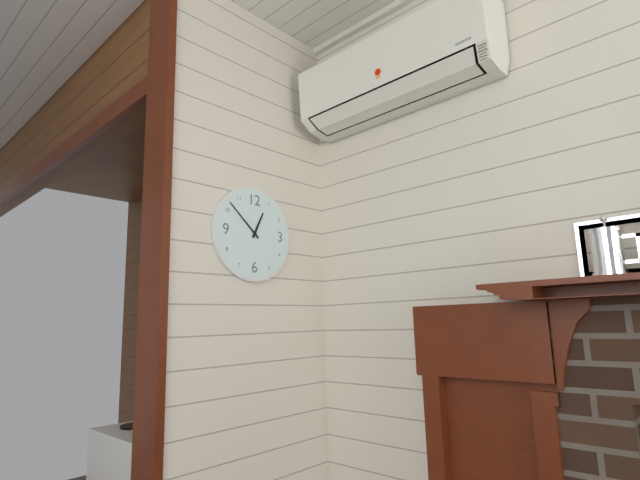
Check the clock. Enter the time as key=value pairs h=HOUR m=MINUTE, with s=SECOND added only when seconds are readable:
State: h=12 m=52
